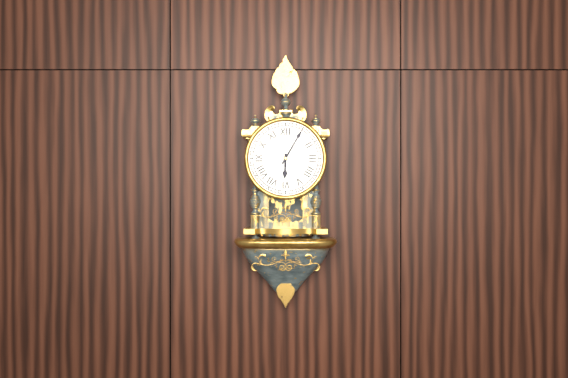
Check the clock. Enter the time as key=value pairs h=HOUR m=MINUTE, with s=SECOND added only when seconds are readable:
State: h=6 m=5
